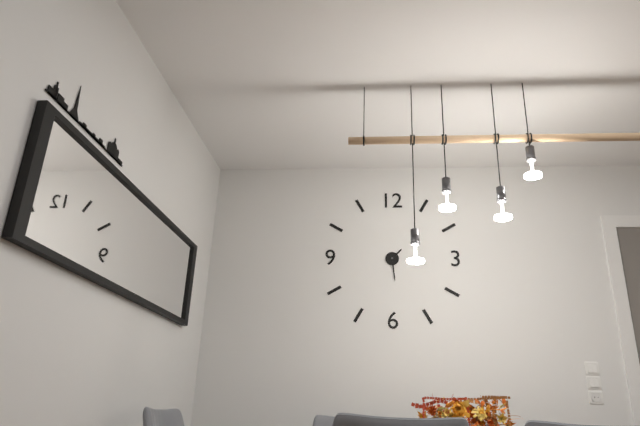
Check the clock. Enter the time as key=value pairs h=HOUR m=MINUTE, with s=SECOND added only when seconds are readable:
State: h=1 m=29
